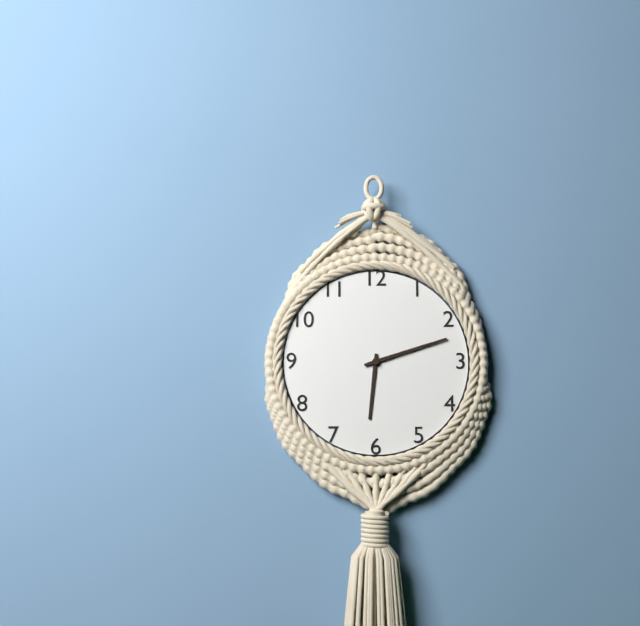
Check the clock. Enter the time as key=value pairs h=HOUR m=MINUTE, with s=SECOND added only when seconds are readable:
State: h=6 m=12
